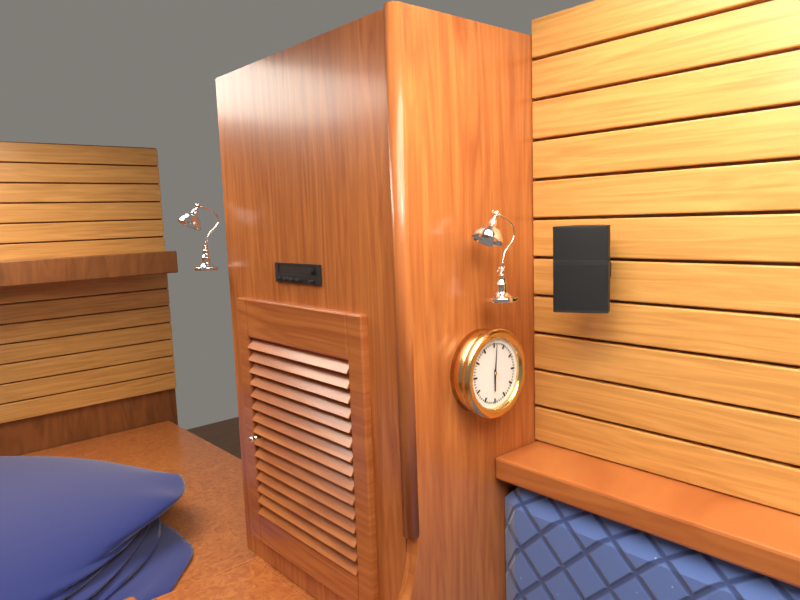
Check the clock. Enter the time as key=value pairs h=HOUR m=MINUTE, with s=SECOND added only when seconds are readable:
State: h=6 m=1
